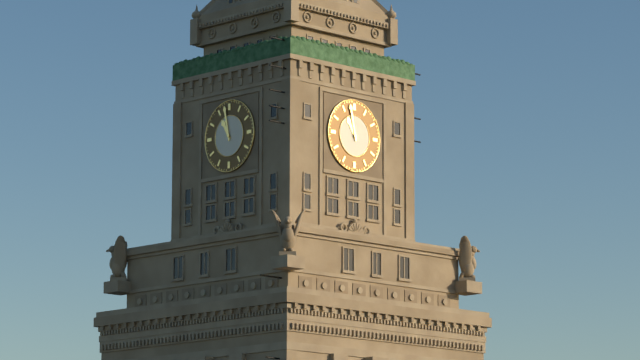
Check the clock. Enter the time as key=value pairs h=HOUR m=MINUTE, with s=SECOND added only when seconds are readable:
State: h=10 m=58
